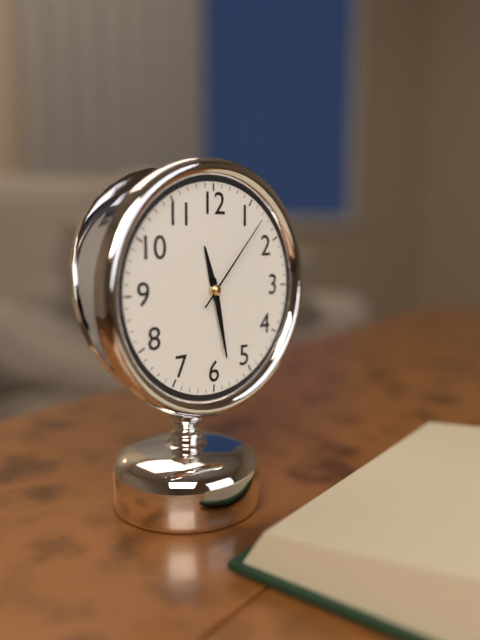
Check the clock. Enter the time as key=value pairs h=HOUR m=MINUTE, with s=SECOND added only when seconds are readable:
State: h=11 m=28 s=7
